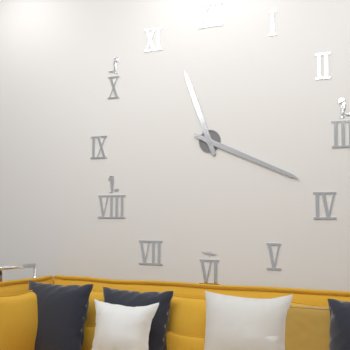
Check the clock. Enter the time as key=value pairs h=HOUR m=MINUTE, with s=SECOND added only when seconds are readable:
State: h=11 m=19
